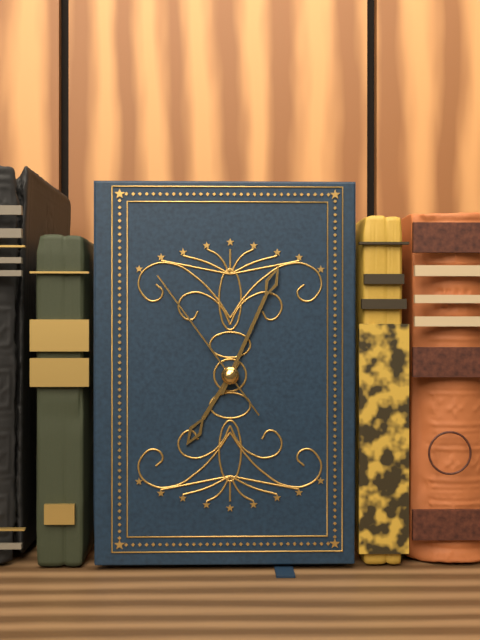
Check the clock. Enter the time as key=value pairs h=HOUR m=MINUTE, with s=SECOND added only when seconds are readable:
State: h=7 m=4 s=54
